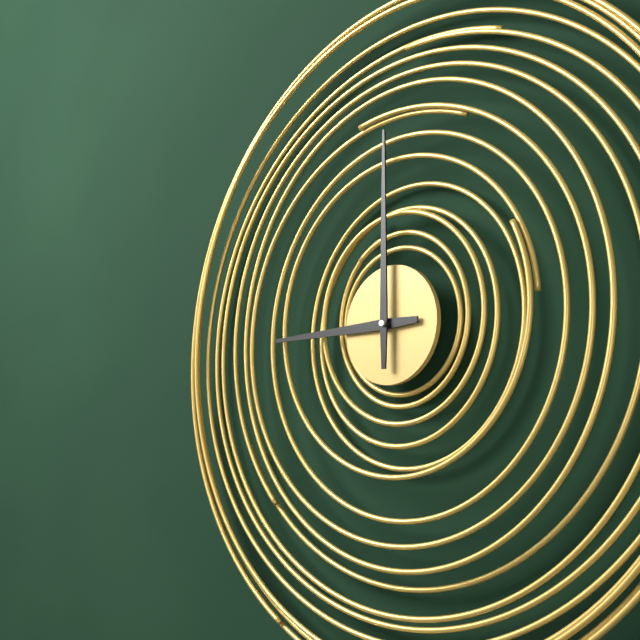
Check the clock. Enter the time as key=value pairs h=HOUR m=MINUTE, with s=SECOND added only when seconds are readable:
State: h=9 m=0
